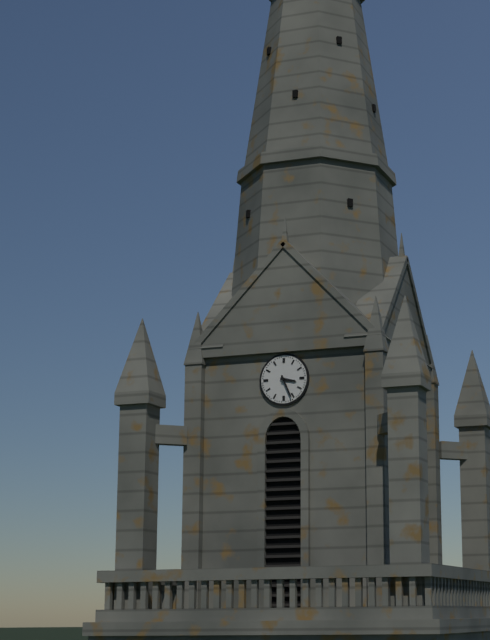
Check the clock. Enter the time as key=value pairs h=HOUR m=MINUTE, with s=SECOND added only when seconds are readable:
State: h=3 m=26
